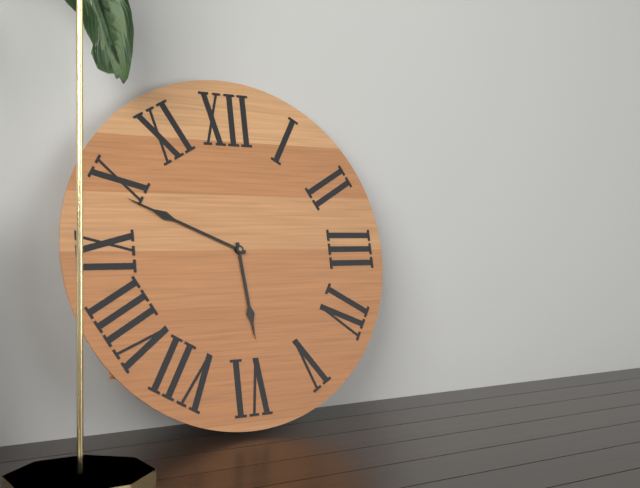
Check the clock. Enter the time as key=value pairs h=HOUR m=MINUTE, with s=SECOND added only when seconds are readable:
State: h=5 m=49
